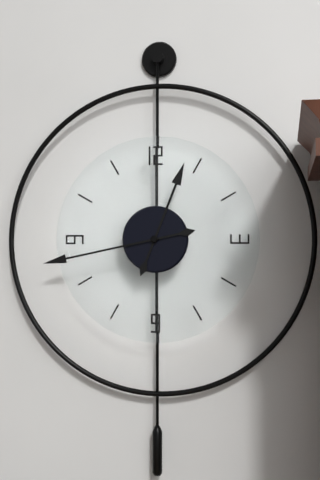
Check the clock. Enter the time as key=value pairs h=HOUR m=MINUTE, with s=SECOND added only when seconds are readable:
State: h=12 m=43
